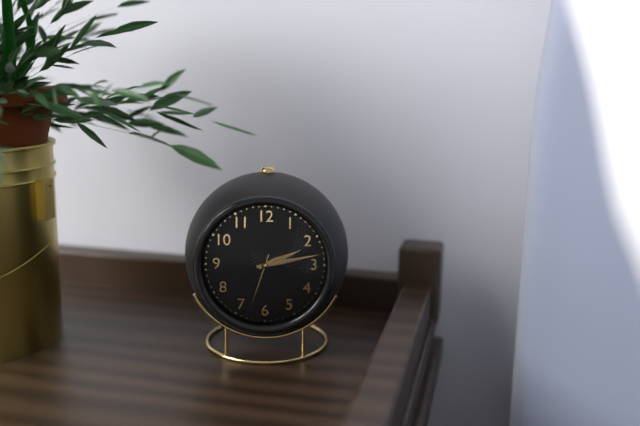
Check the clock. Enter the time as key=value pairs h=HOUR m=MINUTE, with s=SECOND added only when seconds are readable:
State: h=2 m=13 s=33
